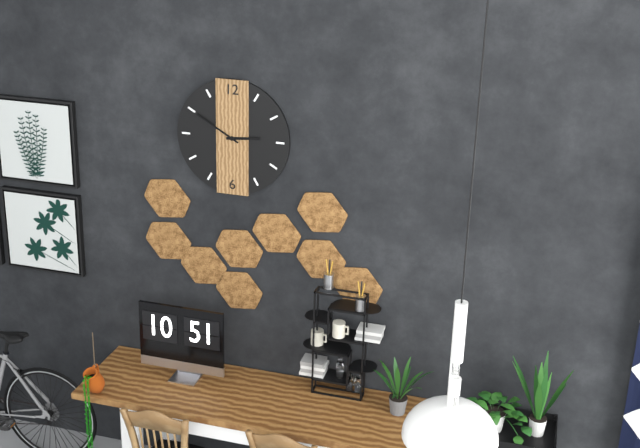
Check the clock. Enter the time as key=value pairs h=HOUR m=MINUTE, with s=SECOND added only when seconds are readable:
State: h=2 m=50
